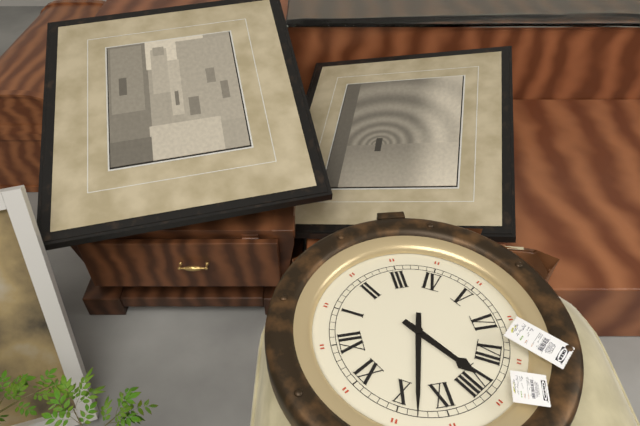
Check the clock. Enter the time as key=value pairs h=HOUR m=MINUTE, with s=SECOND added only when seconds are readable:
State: h=7 m=48
